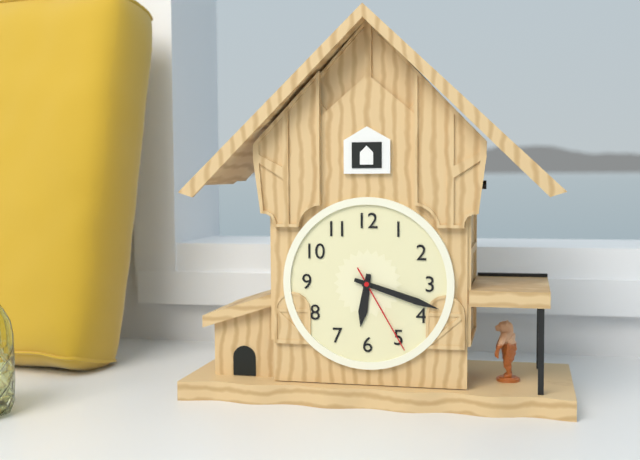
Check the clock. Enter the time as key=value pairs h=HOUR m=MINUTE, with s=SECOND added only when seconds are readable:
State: h=6 m=18 s=25
